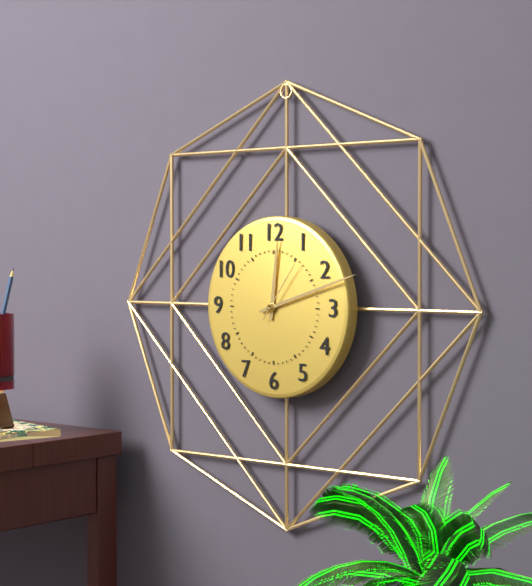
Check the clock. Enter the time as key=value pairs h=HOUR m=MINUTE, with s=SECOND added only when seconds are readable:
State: h=12 m=12 s=6
